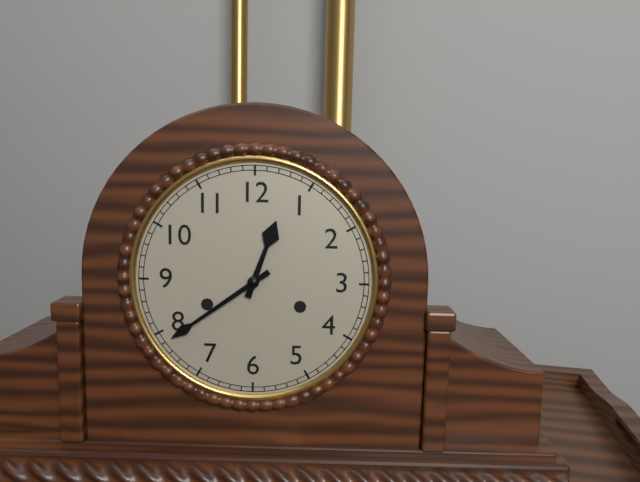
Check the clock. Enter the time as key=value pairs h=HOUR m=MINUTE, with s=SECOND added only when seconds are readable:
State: h=12 m=39
